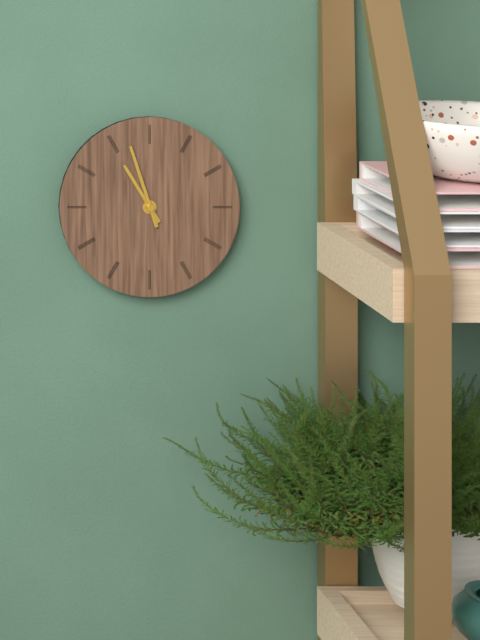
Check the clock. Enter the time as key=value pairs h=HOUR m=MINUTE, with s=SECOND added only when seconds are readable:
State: h=10 m=57
